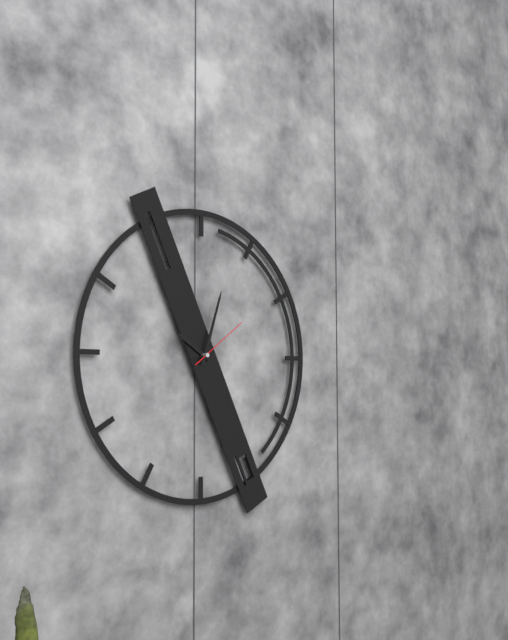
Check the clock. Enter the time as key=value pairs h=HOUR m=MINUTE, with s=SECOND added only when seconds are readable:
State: h=10 m=3 s=9
